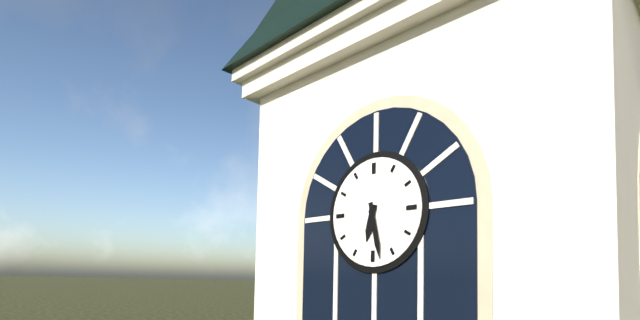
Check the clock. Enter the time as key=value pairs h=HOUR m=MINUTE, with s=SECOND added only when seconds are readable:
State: h=6 m=28
